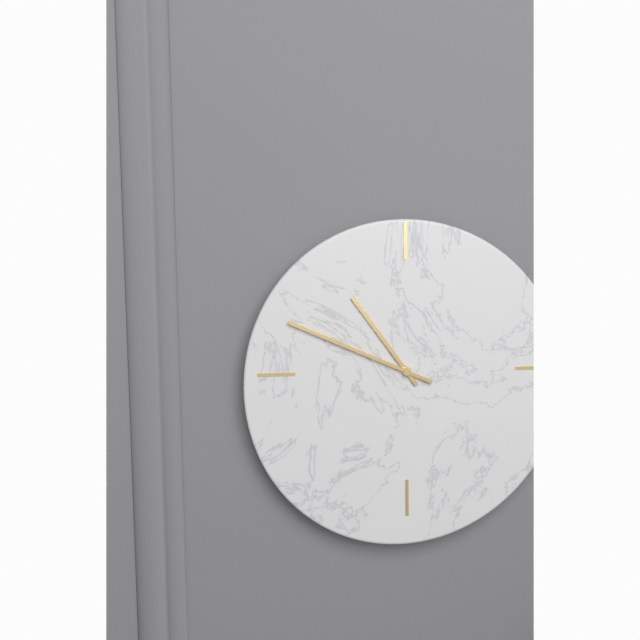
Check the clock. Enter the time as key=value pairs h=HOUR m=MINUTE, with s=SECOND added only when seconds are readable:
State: h=10 m=49
